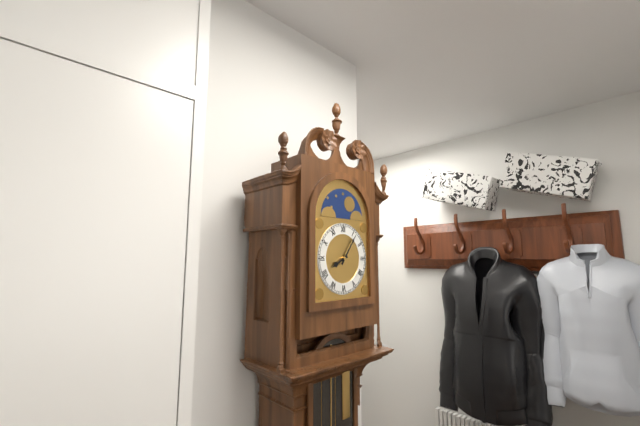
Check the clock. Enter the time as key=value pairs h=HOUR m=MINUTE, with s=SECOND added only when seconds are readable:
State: h=8 m=6
